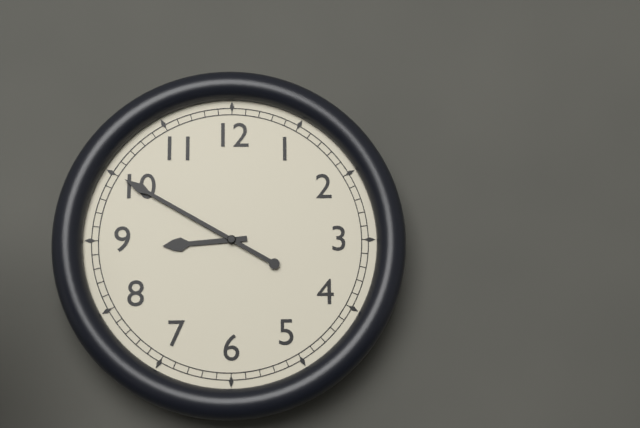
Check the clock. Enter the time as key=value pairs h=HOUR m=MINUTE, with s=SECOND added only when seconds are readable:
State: h=8 m=50
